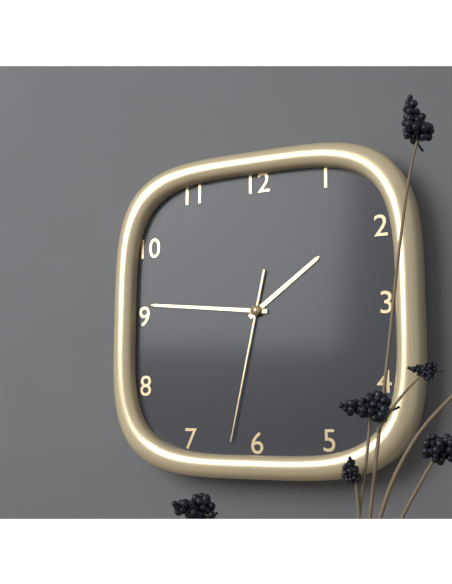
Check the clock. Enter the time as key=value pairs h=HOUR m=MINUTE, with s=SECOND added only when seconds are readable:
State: h=1 m=46 s=32
